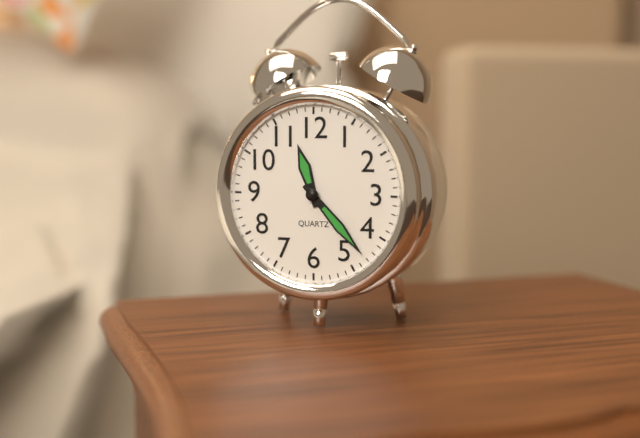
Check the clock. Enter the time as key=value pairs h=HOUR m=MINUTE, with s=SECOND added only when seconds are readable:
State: h=11 m=23
